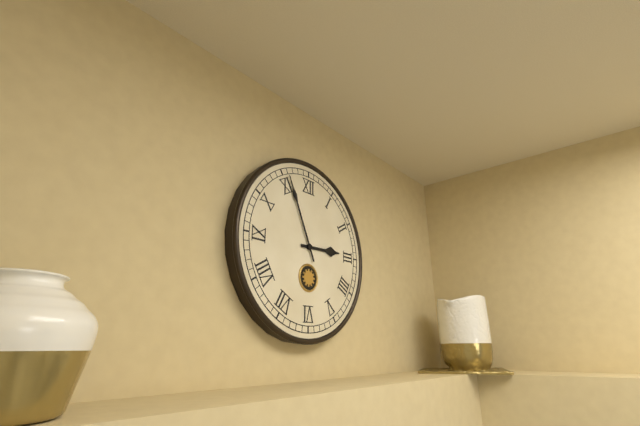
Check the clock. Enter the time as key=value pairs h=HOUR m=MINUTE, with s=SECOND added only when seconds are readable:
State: h=2 m=56
